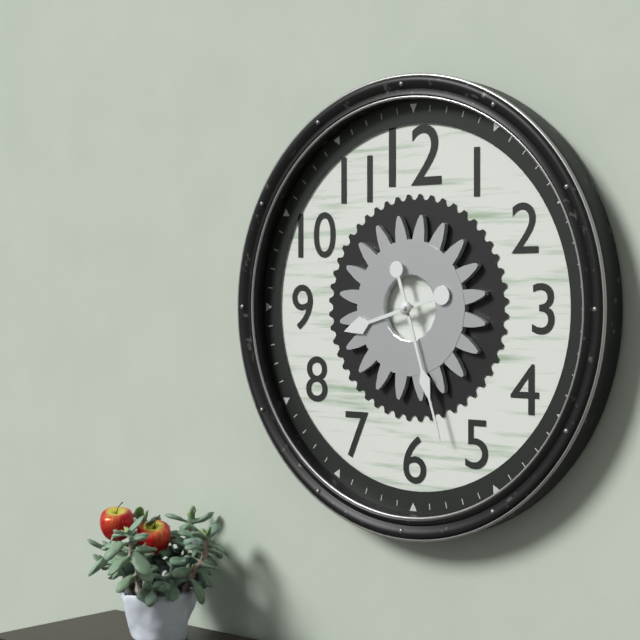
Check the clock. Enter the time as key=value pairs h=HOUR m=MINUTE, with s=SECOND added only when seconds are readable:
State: h=8 m=27
